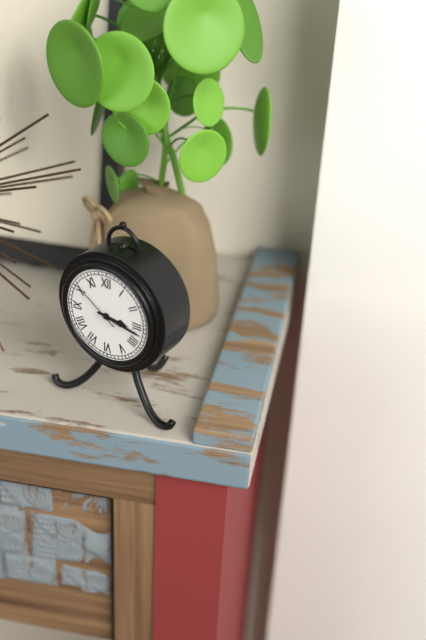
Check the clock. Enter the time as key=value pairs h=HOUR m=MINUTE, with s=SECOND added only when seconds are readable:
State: h=3 m=17 s=51
